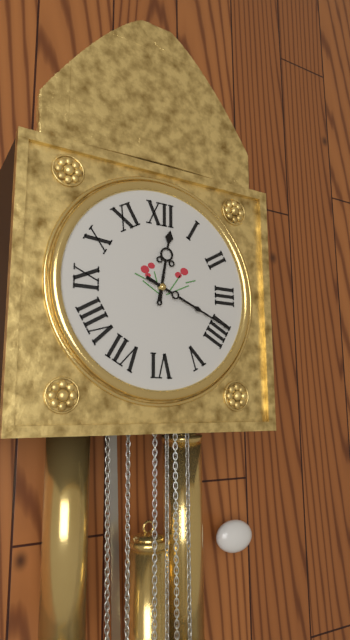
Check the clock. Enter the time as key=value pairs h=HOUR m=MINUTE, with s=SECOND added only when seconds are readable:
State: h=12 m=19
